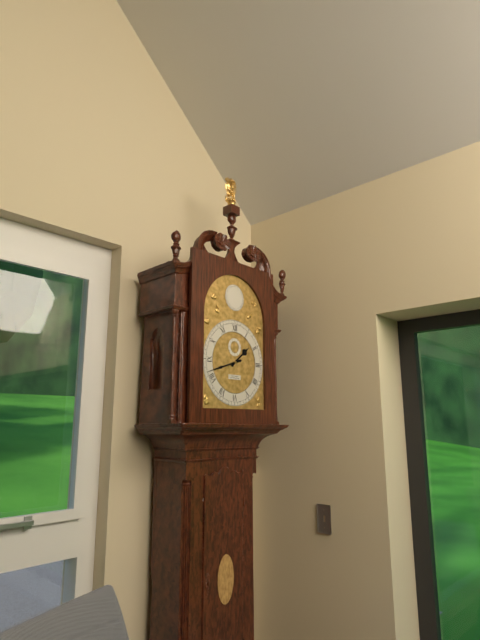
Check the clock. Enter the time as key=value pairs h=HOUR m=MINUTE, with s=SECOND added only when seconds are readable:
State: h=1 m=42
